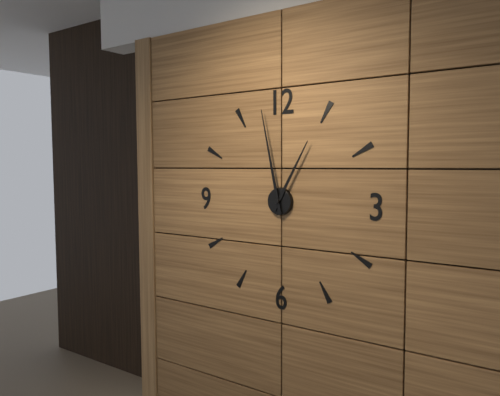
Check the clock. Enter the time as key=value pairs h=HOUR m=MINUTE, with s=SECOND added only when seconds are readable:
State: h=12 m=58
